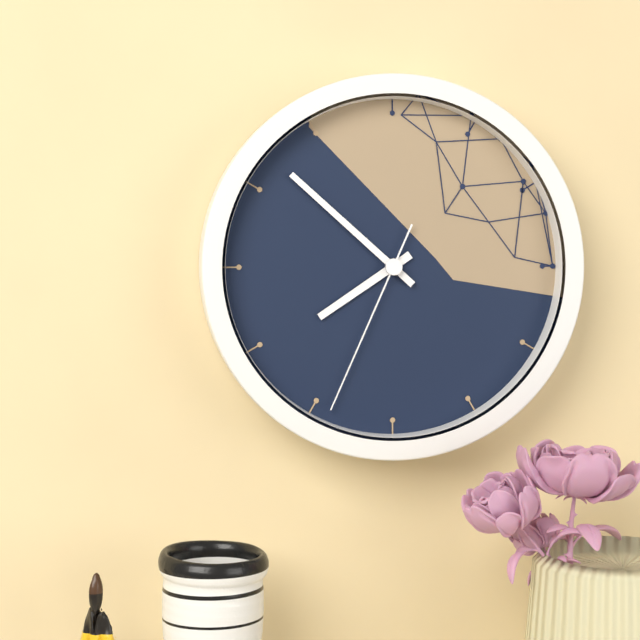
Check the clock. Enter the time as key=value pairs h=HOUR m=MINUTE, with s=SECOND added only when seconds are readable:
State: h=7 m=52 s=34
